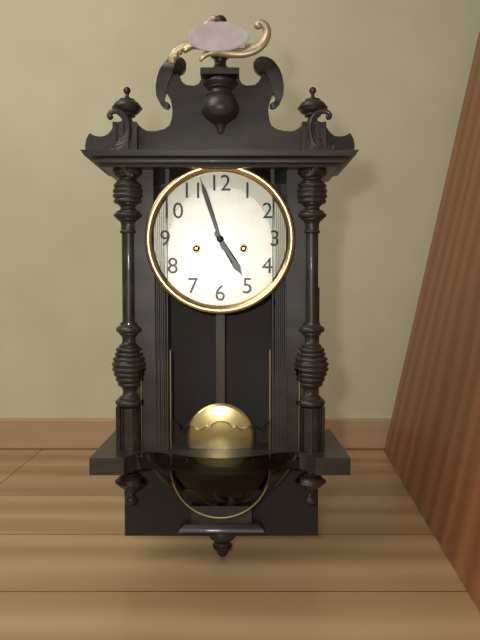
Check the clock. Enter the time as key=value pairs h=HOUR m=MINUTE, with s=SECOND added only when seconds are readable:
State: h=4 m=57
